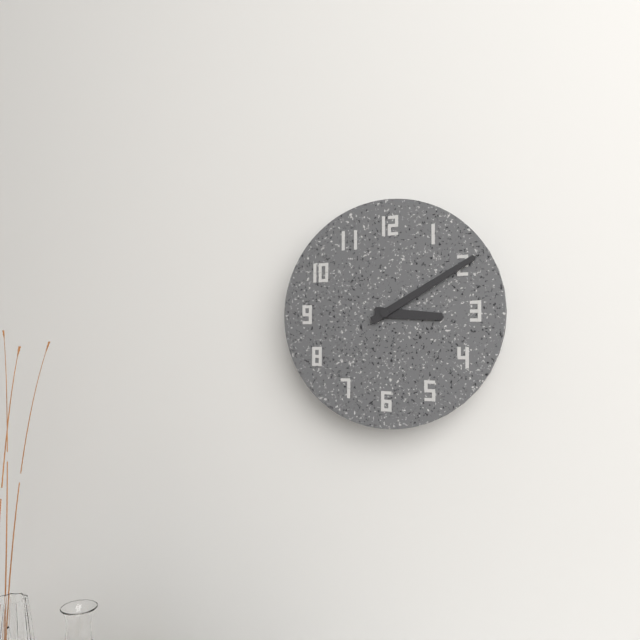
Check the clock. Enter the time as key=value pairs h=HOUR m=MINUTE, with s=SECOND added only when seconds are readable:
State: h=3 m=10
